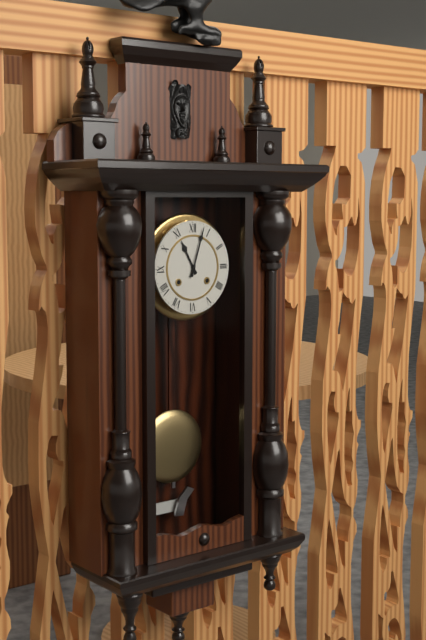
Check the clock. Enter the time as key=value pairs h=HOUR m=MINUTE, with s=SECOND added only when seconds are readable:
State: h=11 m=3
